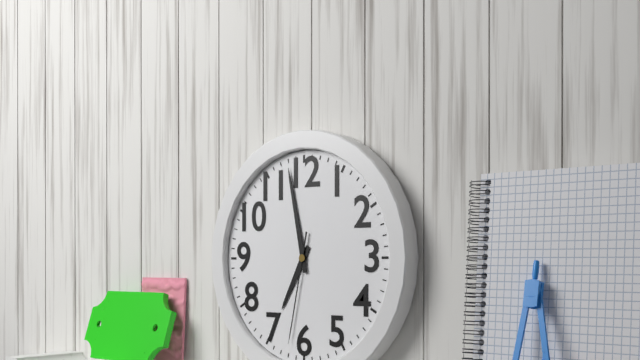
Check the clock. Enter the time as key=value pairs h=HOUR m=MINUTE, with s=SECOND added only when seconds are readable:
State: h=6 m=58 s=32
